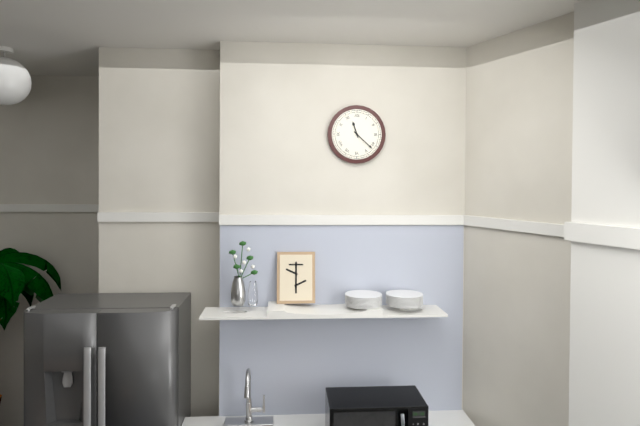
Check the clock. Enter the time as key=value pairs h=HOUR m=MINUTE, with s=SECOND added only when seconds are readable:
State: h=11 m=22
